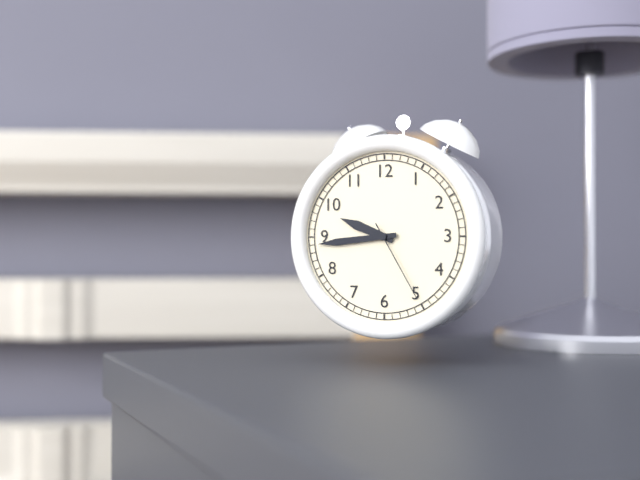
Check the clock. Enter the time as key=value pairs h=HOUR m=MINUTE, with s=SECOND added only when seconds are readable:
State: h=9 m=44 s=25
